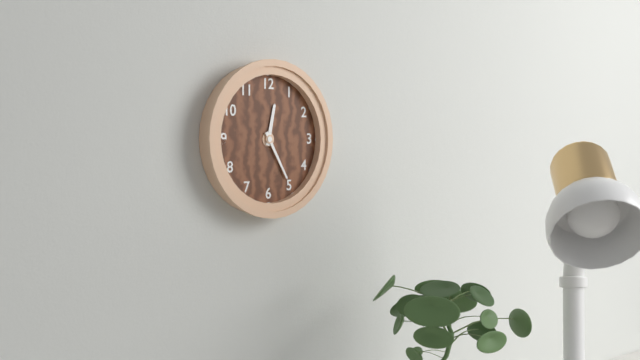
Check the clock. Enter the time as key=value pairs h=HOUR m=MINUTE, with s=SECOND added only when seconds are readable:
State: h=12 m=25
